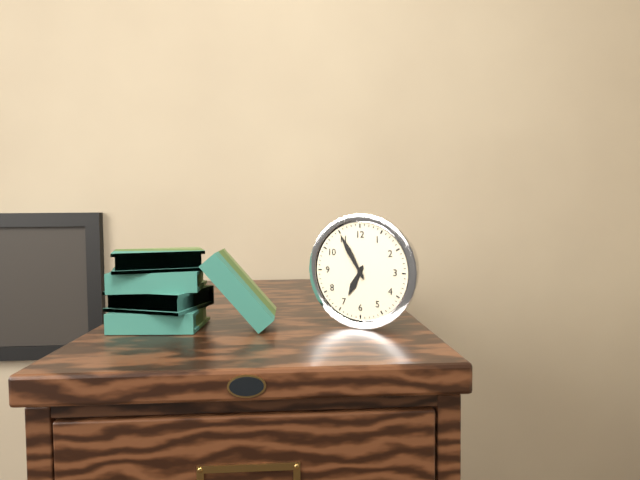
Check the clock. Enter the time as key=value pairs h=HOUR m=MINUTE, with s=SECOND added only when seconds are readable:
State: h=6 m=55
